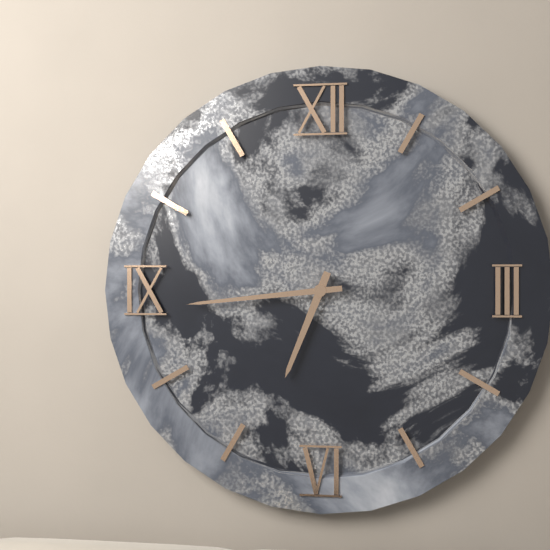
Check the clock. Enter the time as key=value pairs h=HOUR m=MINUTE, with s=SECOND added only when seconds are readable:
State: h=6 m=44
